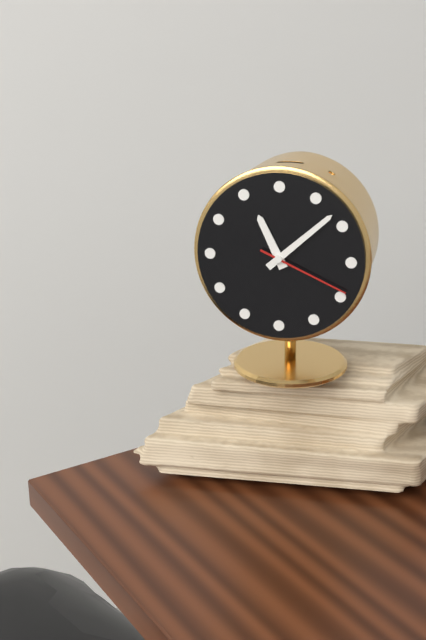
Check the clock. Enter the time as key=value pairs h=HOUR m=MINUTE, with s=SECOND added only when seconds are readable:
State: h=11 m=8 s=19
